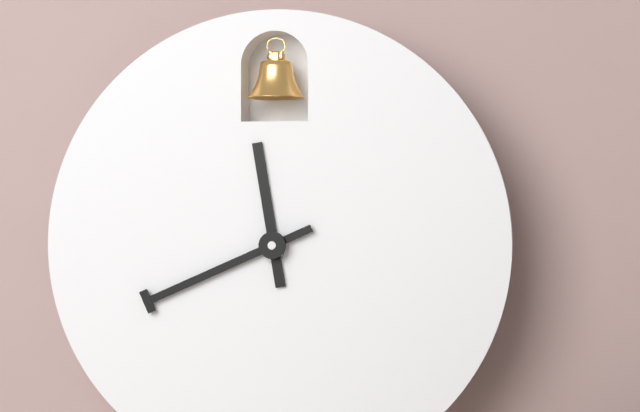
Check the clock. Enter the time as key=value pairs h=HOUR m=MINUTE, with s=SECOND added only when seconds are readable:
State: h=11 m=41
